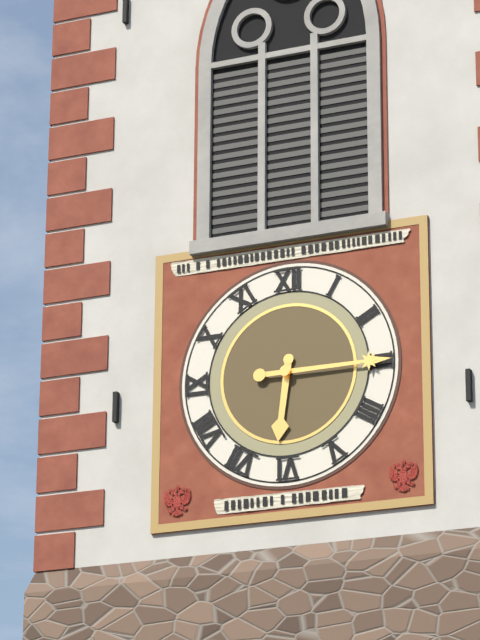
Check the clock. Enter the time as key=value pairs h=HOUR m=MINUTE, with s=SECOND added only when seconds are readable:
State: h=6 m=15
